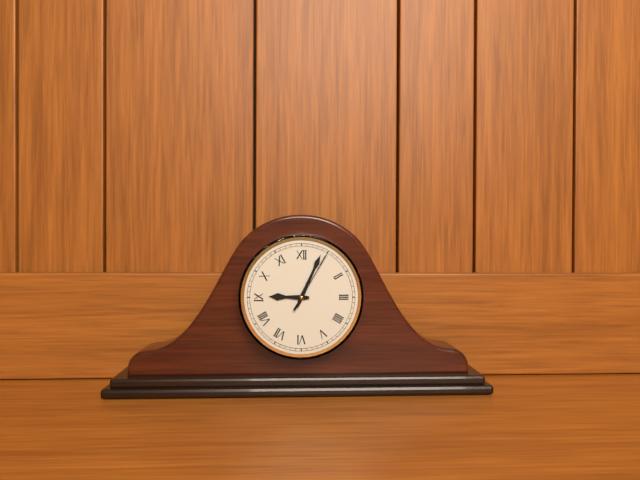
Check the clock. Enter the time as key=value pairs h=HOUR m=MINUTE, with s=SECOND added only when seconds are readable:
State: h=9 m=4 s=5
